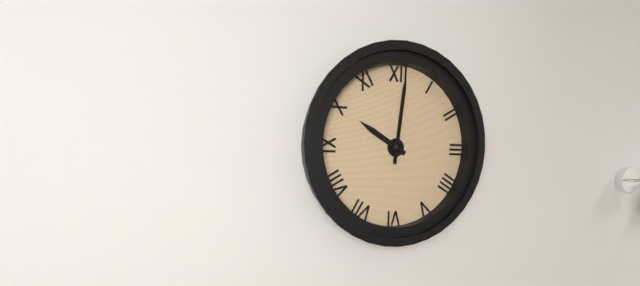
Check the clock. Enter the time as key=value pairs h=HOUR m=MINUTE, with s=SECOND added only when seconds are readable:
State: h=10 m=1
